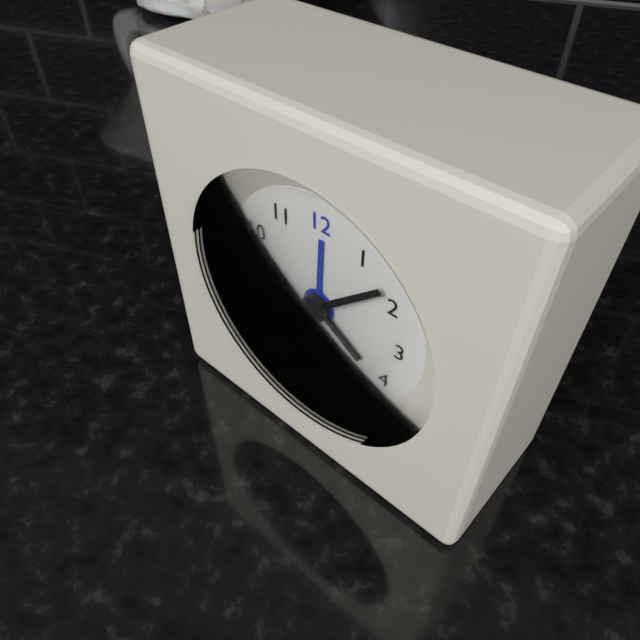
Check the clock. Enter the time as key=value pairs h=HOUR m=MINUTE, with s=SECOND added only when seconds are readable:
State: h=4 m=8
